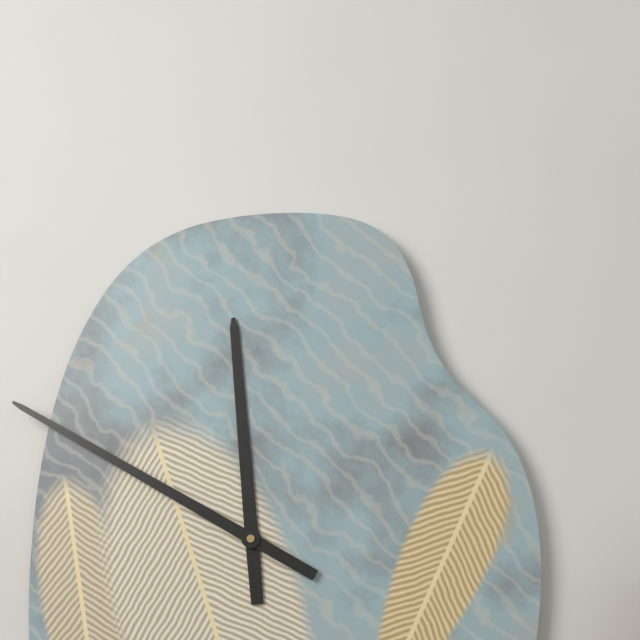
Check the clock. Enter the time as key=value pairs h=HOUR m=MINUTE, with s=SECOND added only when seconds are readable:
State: h=11 m=50
